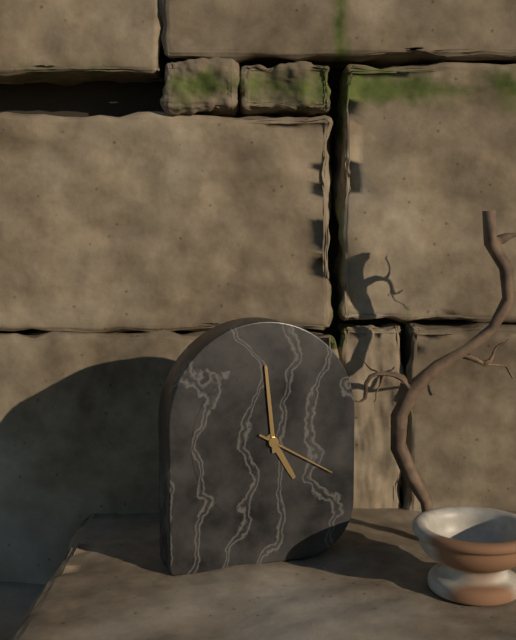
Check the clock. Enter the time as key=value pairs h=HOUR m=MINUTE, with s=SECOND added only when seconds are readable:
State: h=4 m=59 s=20
